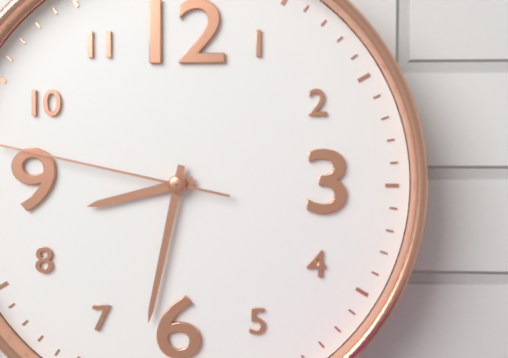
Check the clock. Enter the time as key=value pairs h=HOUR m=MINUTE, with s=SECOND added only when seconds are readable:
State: h=8 m=32
